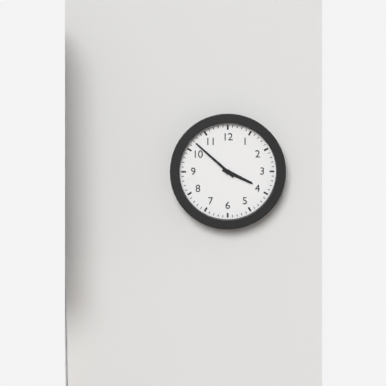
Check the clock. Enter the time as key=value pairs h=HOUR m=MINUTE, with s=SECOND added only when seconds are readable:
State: h=3 m=52
